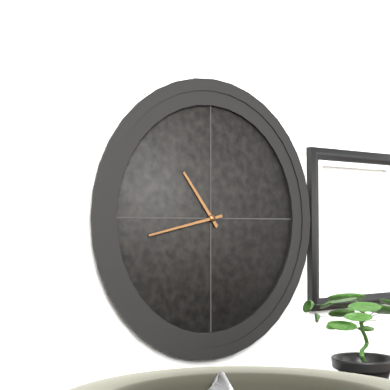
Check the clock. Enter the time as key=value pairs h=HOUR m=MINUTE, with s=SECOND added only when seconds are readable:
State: h=10 m=43
